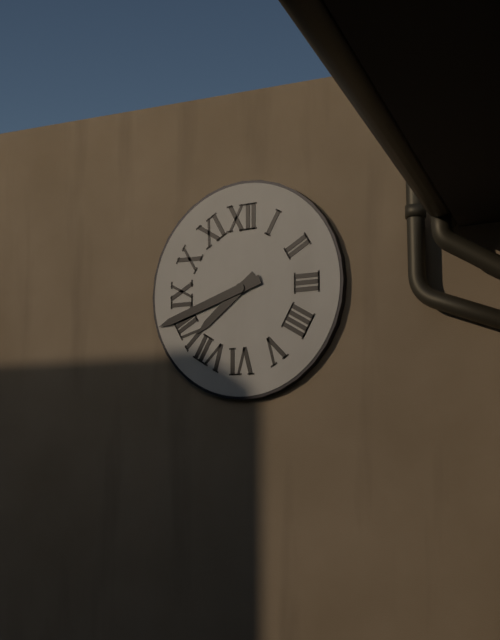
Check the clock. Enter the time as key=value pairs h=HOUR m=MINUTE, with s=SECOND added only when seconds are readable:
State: h=7 m=42
